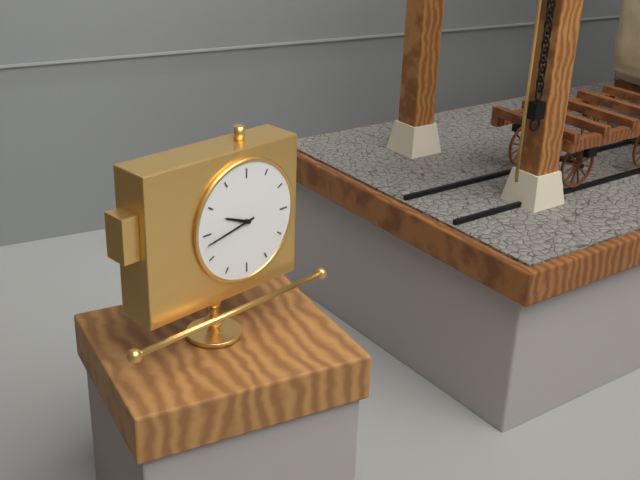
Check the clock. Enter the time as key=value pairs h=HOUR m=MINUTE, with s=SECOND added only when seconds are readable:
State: h=9 m=43
